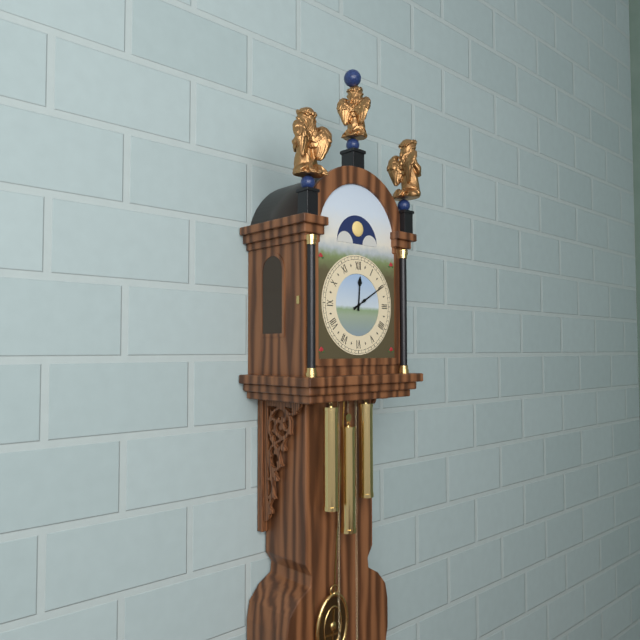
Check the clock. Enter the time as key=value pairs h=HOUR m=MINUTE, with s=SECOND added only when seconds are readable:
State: h=12 m=10
